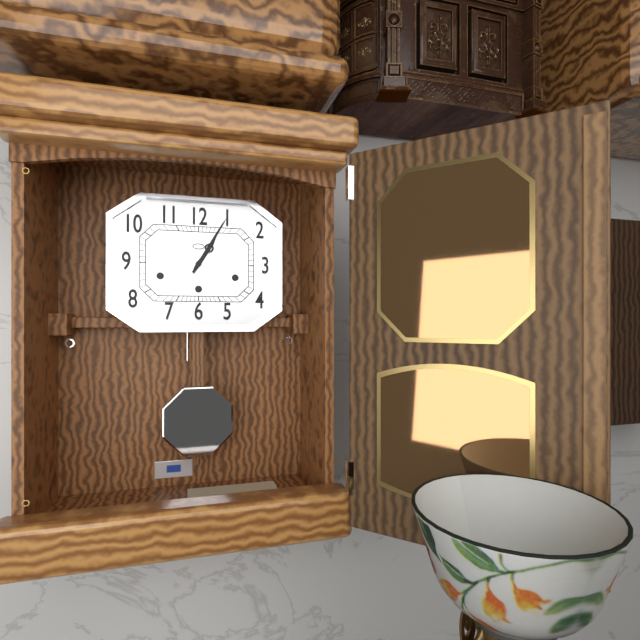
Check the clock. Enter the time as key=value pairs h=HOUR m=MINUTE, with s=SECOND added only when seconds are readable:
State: h=1 m=5
